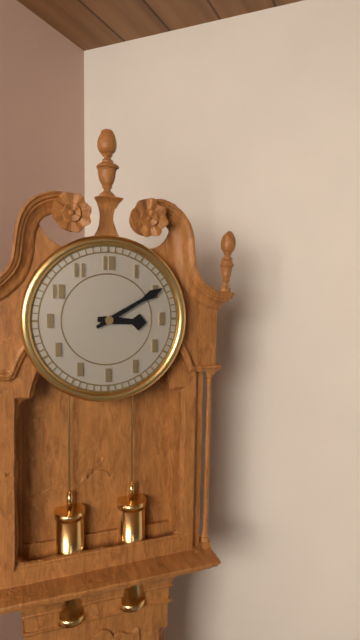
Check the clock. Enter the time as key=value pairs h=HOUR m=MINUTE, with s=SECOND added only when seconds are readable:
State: h=3 m=10
